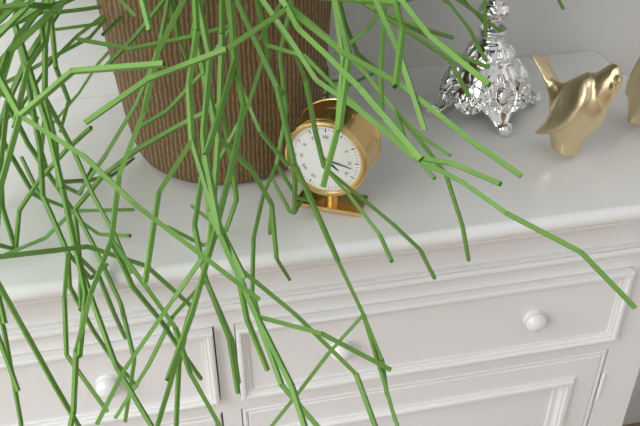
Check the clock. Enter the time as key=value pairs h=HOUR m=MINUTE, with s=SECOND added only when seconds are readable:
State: h=4 m=17
